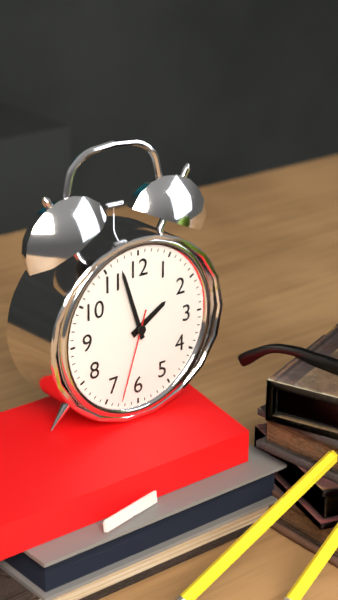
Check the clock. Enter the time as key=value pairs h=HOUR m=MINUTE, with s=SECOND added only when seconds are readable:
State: h=1 m=57 s=33
